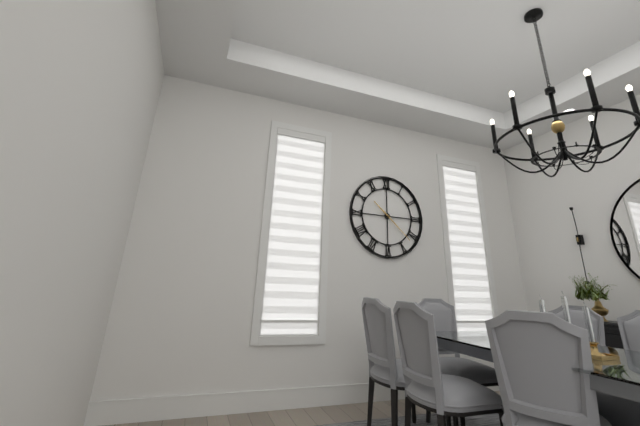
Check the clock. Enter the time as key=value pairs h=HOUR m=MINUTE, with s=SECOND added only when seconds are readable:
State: h=10 m=22
